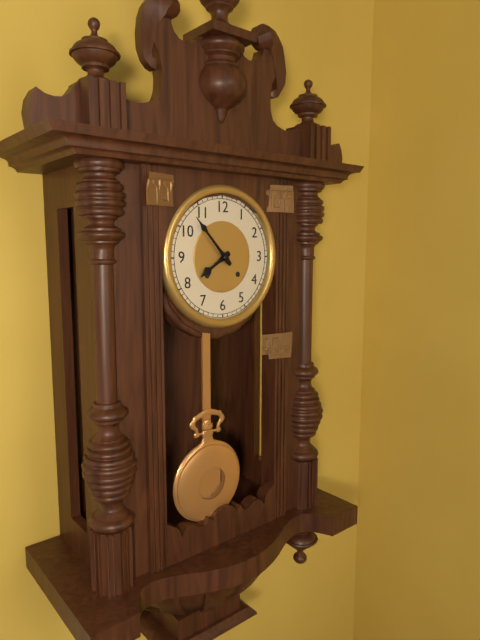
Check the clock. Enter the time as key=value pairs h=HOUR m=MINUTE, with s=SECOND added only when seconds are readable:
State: h=7 m=53
